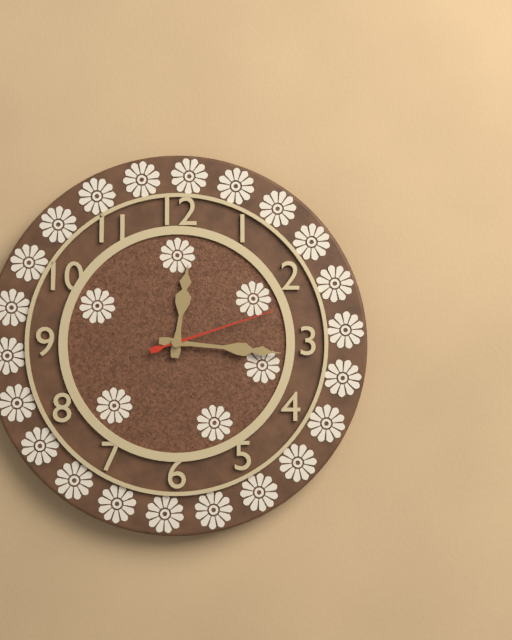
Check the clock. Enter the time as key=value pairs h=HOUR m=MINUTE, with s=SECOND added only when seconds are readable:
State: h=12 m=16 s=12
